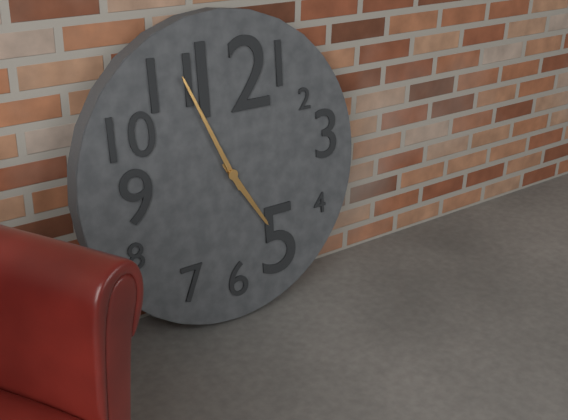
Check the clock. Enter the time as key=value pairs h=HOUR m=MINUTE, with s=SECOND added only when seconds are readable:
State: h=4 m=56
